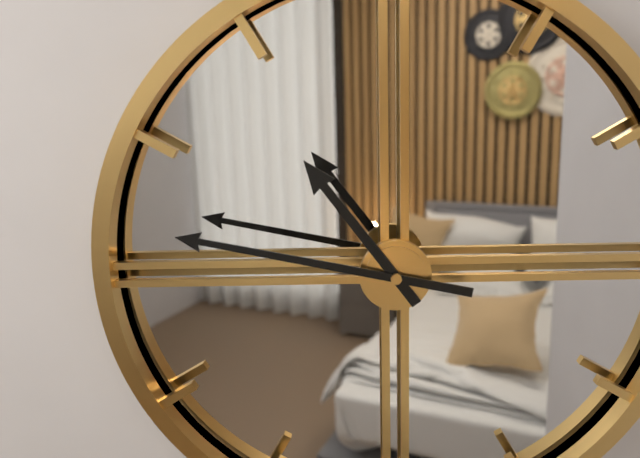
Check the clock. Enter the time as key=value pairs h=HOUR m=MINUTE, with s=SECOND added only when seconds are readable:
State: h=10 m=47
